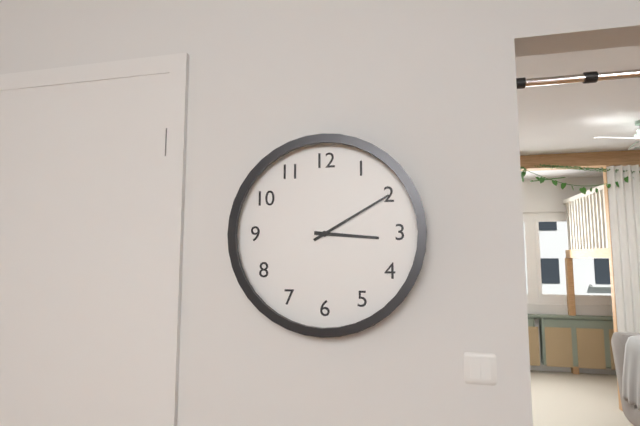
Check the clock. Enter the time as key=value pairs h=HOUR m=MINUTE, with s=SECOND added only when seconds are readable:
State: h=3 m=10
